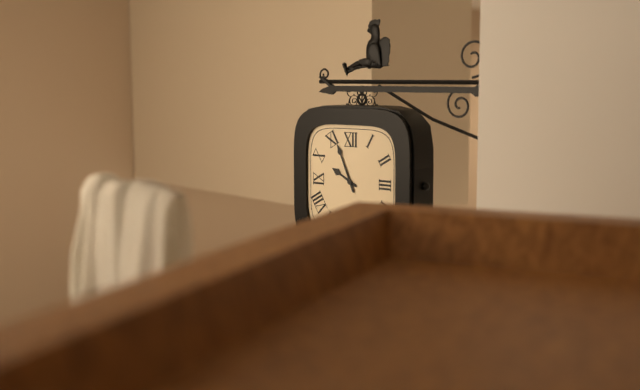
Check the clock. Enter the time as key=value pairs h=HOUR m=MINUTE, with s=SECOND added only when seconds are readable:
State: h=9 m=56
